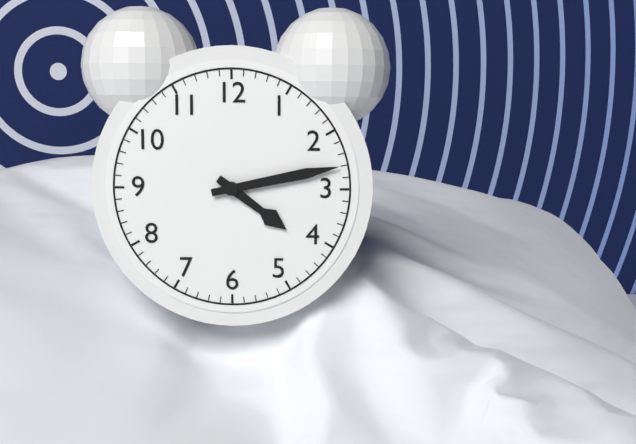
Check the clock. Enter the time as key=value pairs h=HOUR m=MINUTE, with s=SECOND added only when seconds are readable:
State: h=4 m=13
